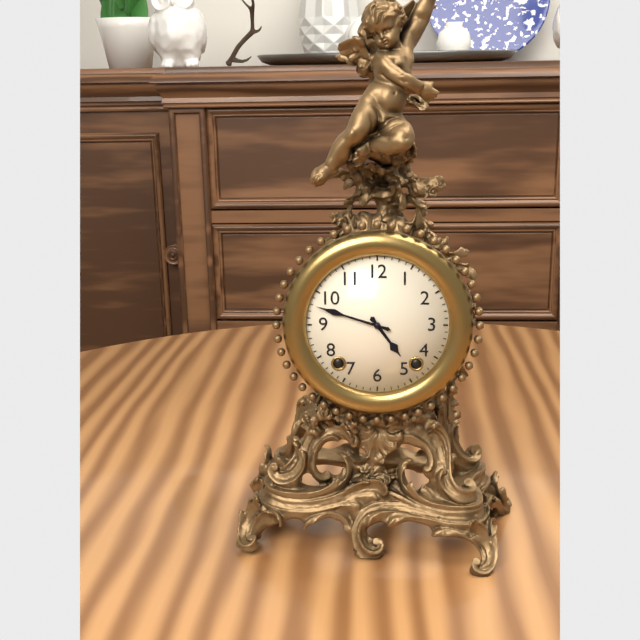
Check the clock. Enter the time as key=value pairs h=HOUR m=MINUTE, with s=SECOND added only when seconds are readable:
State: h=4 m=48
